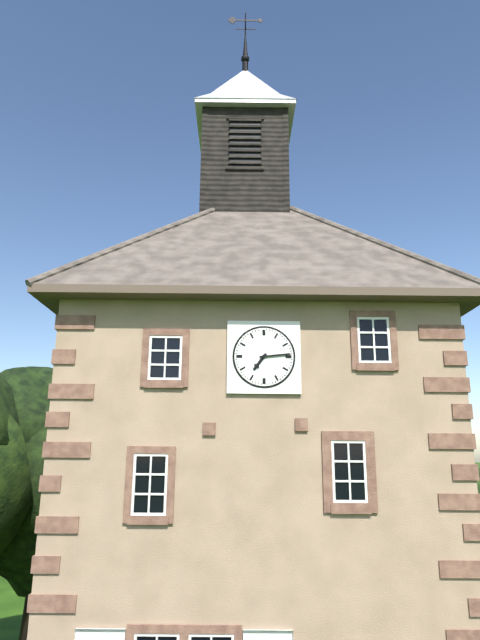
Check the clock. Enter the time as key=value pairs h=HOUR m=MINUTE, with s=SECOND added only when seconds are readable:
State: h=7 m=14
